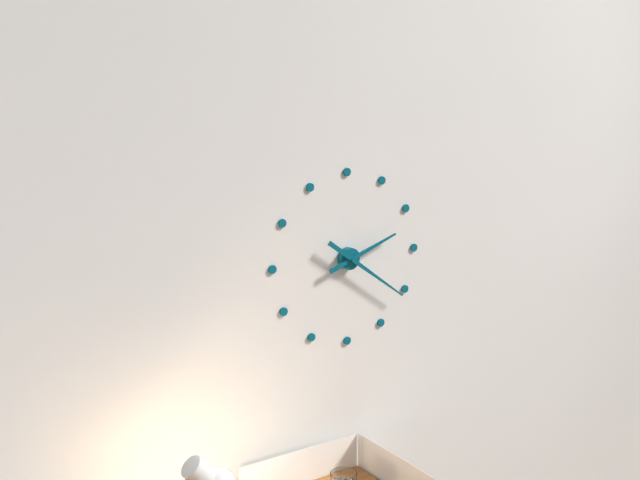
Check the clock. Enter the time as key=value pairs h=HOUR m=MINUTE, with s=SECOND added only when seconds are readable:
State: h=2 m=21
